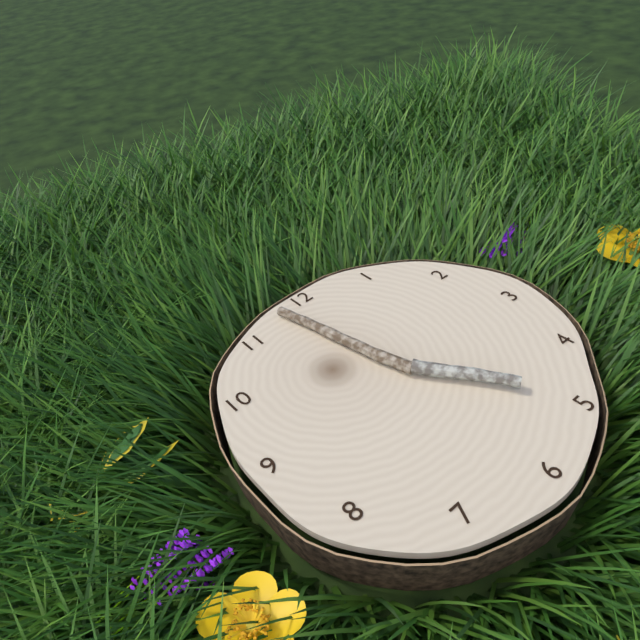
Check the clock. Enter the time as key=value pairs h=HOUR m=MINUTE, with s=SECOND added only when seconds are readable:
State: h=4 m=58
